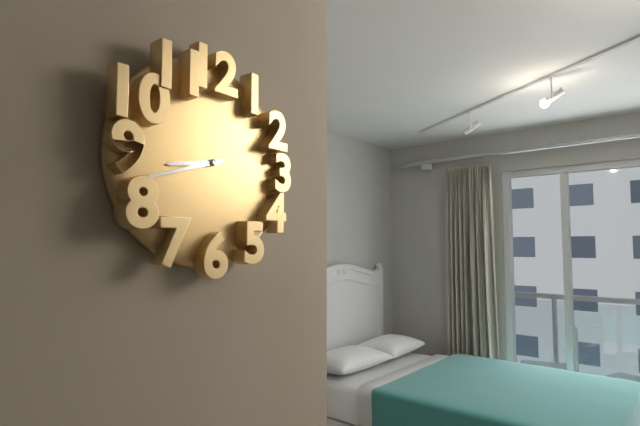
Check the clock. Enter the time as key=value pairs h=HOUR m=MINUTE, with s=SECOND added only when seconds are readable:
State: h=8 m=42
